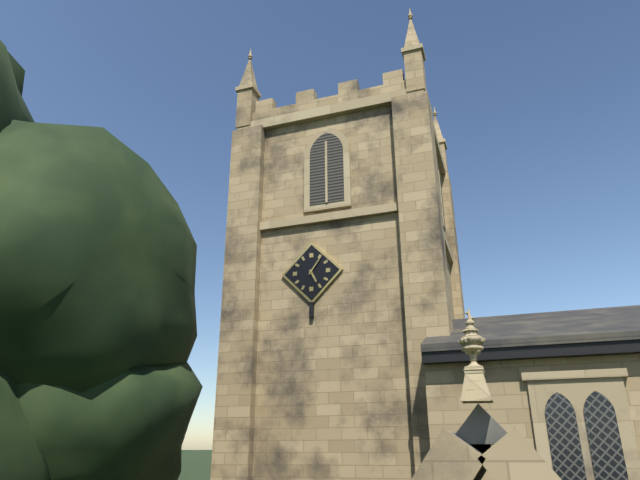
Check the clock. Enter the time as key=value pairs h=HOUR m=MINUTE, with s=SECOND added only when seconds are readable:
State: h=5 m=6
